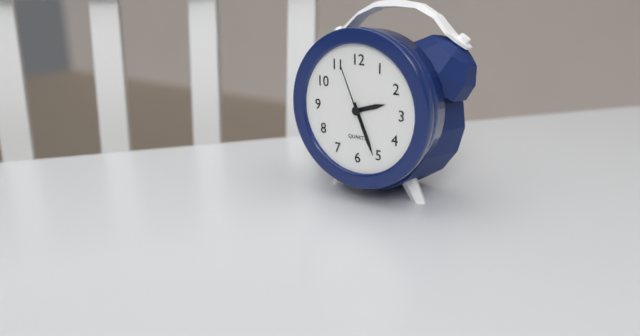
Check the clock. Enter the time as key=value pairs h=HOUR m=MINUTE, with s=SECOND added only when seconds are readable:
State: h=2 m=26 s=56
